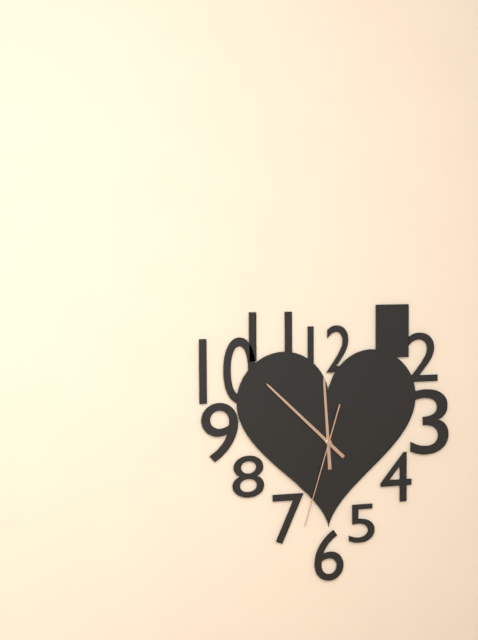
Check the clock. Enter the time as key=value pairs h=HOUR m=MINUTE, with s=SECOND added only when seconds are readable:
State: h=11 m=52 s=33
